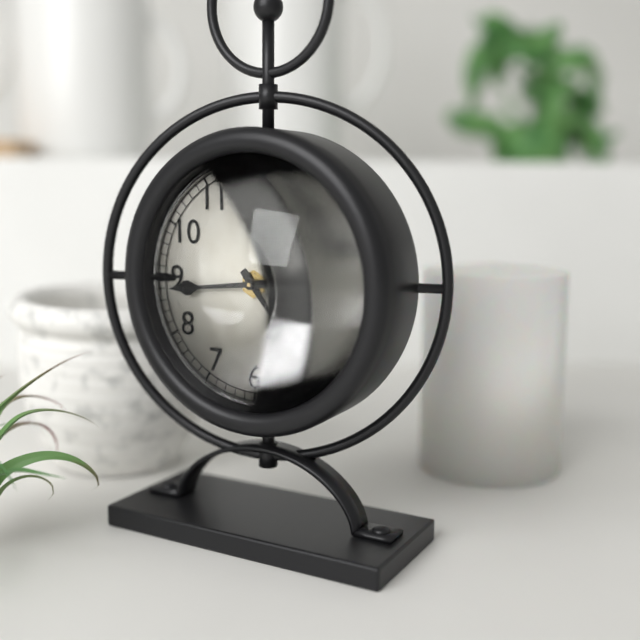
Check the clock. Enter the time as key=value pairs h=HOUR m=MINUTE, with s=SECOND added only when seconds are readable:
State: h=4 m=44
